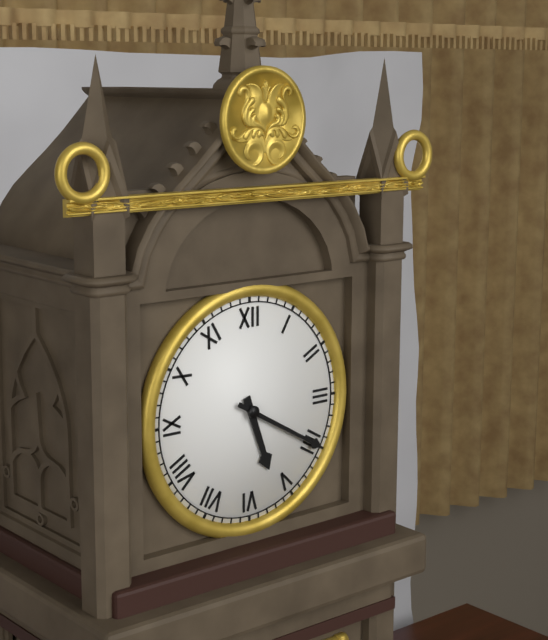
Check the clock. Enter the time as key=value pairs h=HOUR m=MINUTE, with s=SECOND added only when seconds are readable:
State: h=5 m=20
